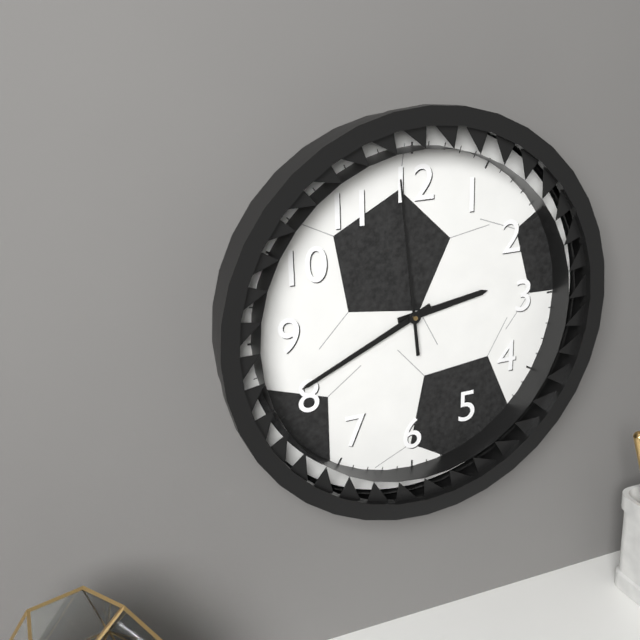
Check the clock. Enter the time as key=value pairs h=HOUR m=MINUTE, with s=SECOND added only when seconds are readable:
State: h=2 m=41 s=59
